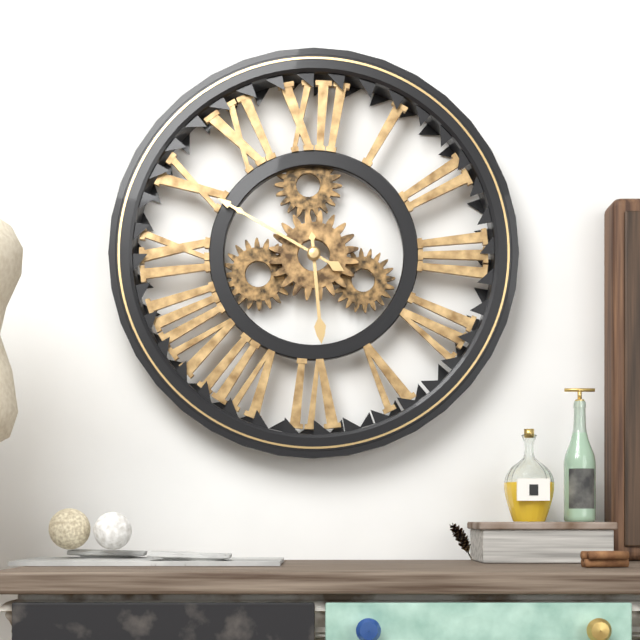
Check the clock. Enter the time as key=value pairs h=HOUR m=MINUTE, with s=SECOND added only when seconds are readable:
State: h=5 m=50
